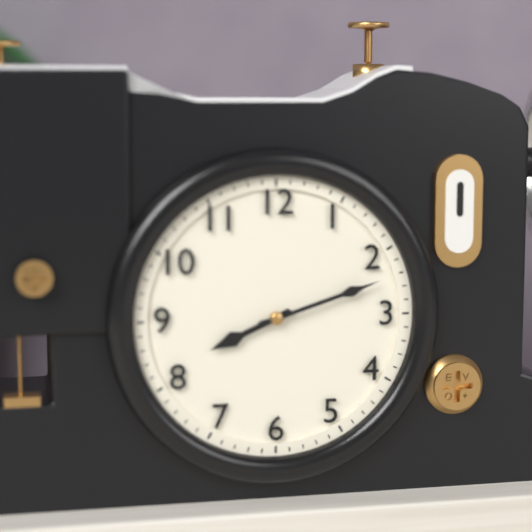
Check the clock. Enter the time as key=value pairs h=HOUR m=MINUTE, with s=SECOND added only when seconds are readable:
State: h=8 m=12
